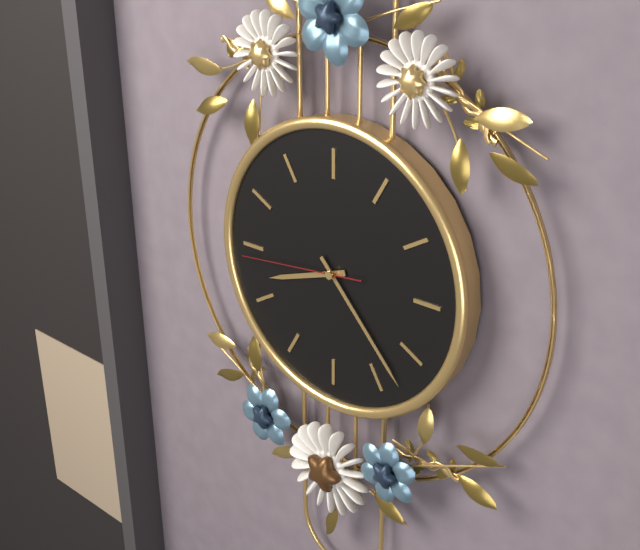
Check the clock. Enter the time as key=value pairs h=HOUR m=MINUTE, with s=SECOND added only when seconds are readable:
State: h=8 m=23 s=44
